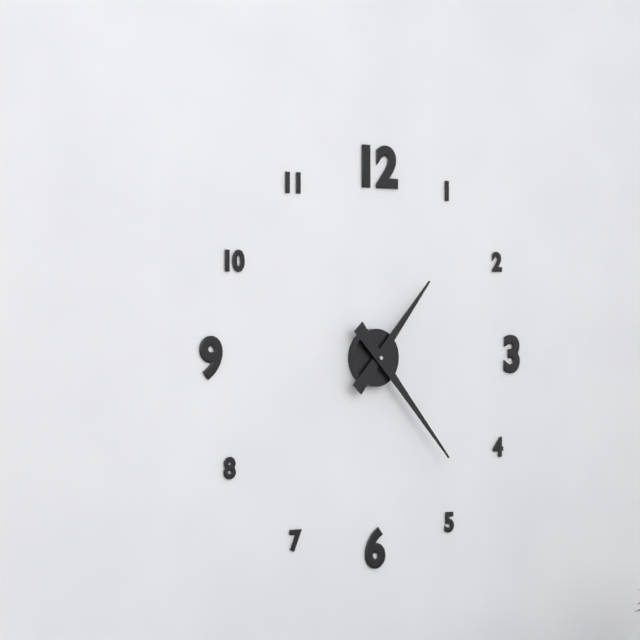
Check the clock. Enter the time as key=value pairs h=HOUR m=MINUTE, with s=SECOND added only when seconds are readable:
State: h=1 m=23
